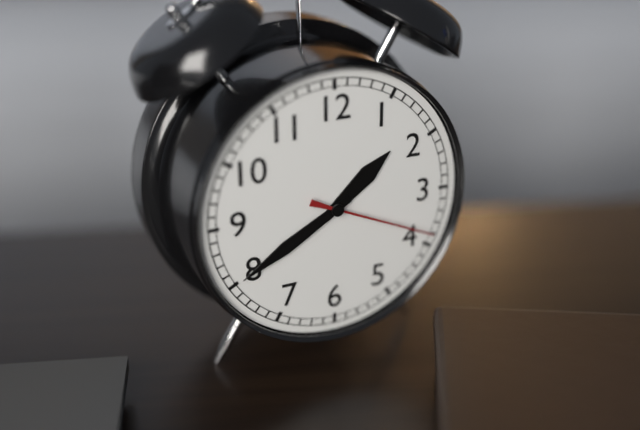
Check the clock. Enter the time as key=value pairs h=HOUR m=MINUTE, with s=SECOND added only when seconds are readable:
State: h=1 m=40 s=19
